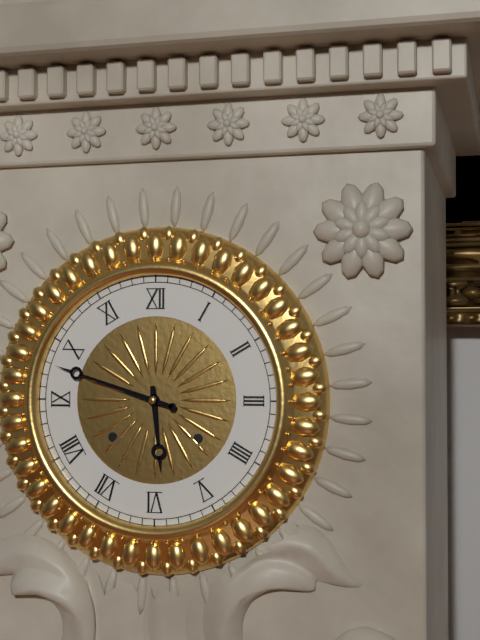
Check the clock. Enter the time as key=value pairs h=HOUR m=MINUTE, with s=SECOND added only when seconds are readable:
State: h=5 m=48
